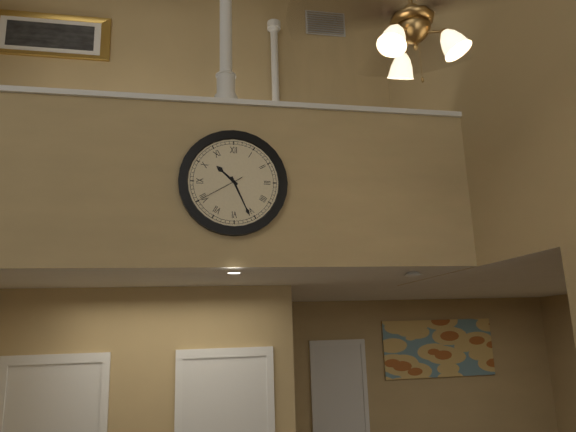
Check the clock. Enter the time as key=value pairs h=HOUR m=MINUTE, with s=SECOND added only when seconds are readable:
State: h=10 m=26 s=40
